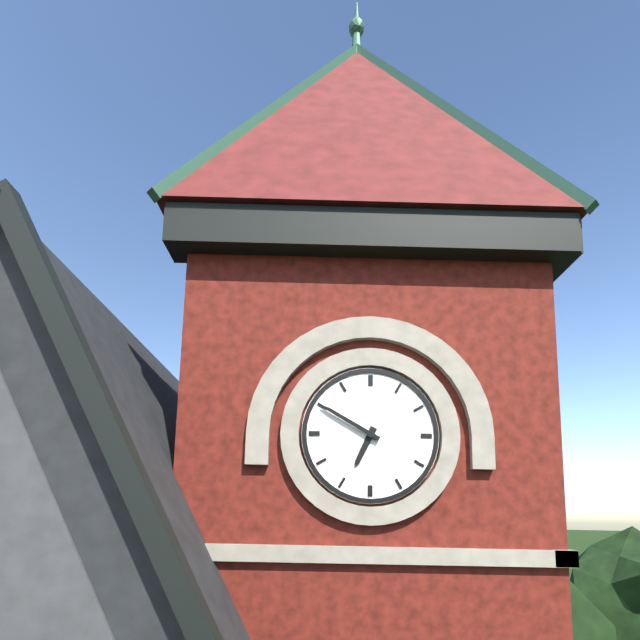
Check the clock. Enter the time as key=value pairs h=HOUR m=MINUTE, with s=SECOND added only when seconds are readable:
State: h=6 m=50
